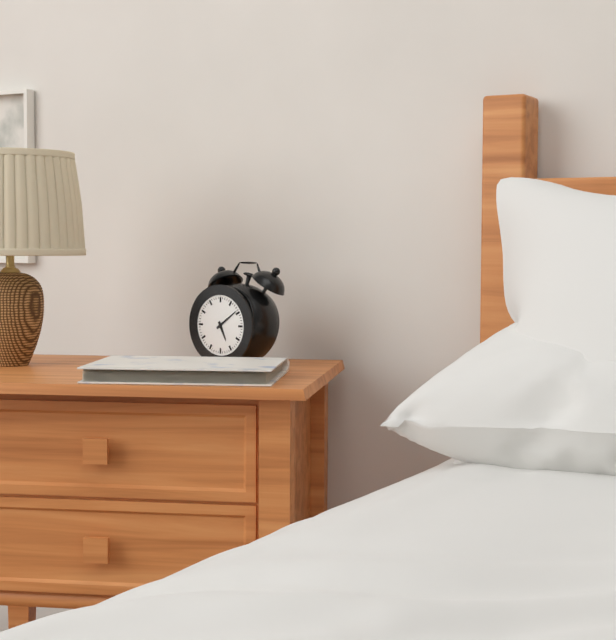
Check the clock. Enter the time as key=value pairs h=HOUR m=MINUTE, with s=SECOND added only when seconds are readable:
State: h=5 m=9
